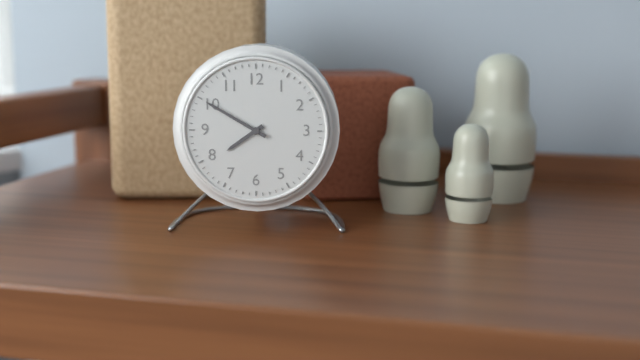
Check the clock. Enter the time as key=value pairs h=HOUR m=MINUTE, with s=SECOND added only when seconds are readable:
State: h=7 m=50
